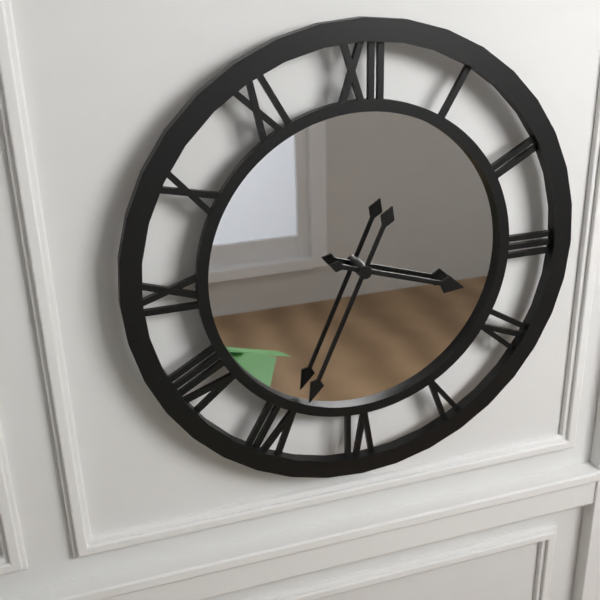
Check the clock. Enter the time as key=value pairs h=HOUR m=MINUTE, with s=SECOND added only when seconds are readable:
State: h=3 m=34
